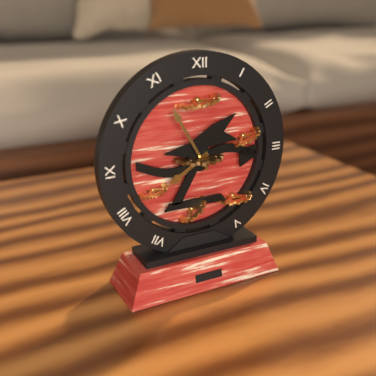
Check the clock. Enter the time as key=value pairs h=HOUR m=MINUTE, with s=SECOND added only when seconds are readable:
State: h=7 m=55
